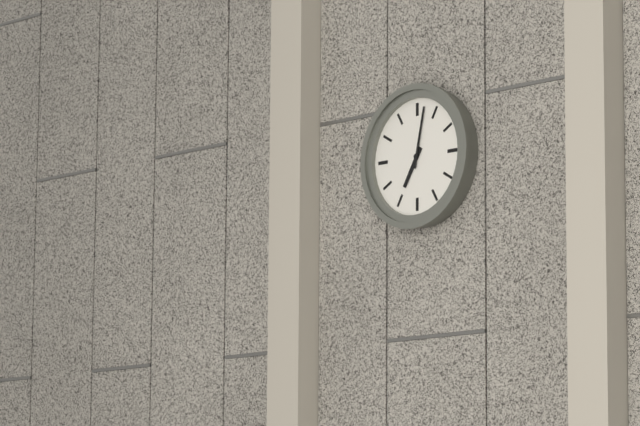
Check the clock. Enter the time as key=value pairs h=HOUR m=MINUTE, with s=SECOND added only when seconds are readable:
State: h=7 m=2
